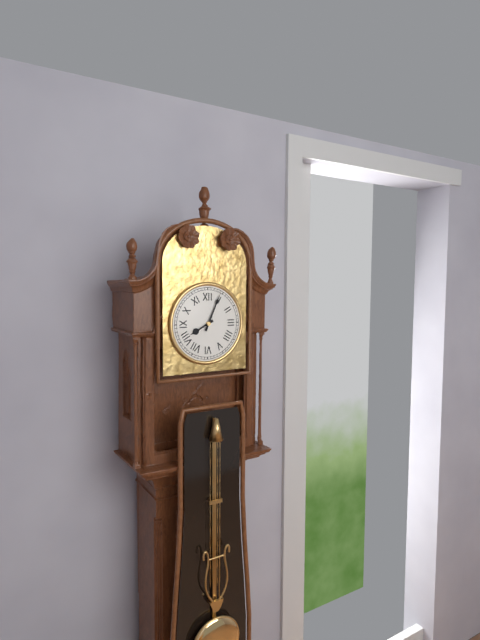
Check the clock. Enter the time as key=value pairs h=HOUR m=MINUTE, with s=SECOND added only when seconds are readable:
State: h=8 m=4
